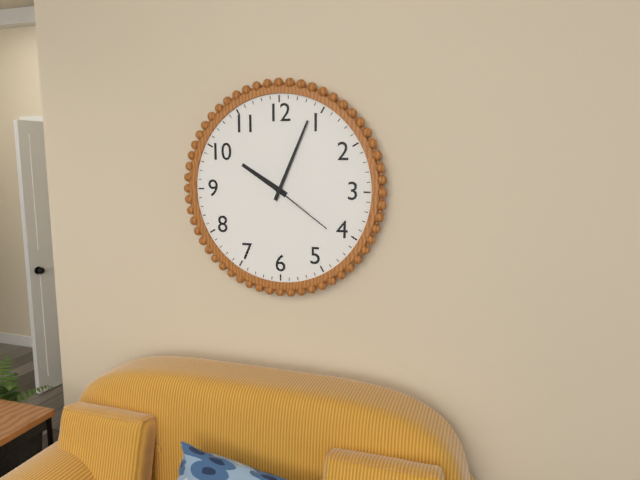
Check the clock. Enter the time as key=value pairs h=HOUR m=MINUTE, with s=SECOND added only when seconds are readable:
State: h=10 m=4 s=21
